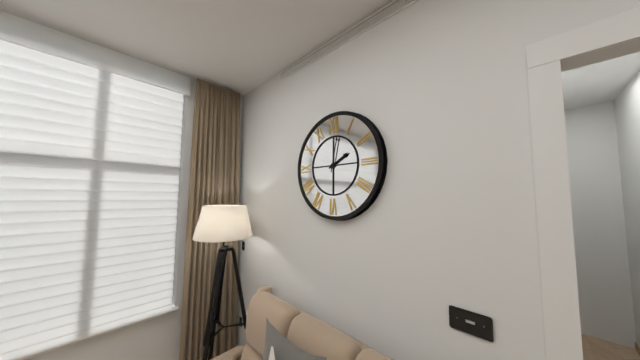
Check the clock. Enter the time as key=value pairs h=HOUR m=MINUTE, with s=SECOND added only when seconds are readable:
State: h=2 m=2
